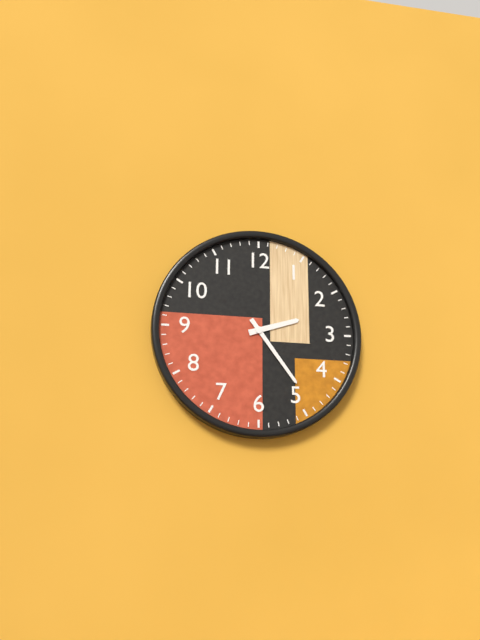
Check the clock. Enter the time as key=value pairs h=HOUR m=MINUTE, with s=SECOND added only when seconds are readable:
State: h=2 m=24
